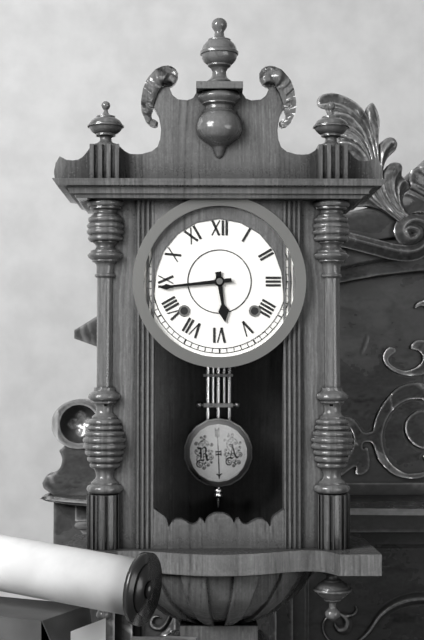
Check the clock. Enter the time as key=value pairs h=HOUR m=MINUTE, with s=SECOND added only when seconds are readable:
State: h=5 m=44
